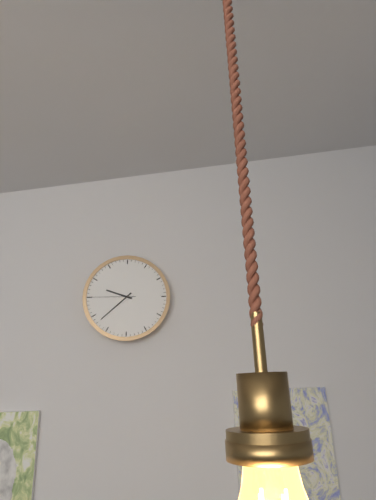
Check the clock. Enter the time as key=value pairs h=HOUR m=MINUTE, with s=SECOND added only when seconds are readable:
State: h=9 m=38
